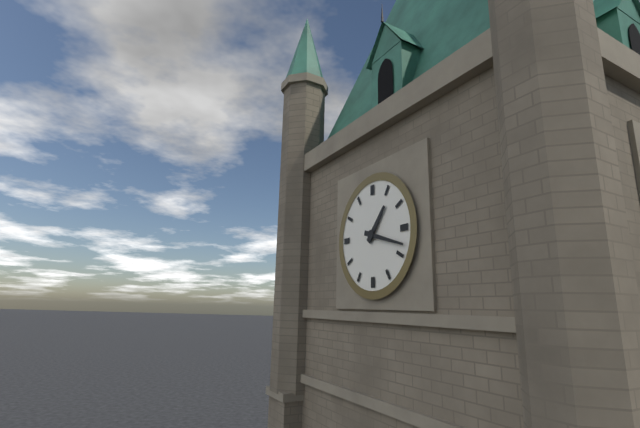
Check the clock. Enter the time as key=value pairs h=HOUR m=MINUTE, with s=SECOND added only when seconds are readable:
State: h=1 m=18
